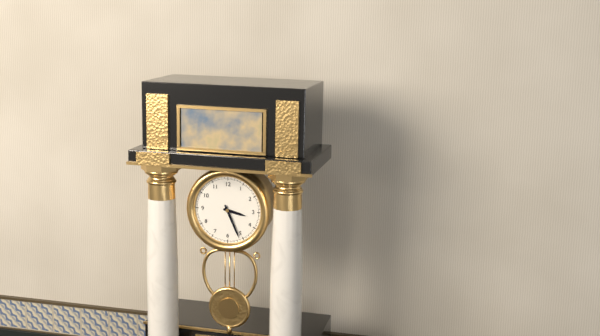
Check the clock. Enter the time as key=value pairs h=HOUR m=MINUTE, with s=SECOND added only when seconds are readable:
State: h=3 m=26
